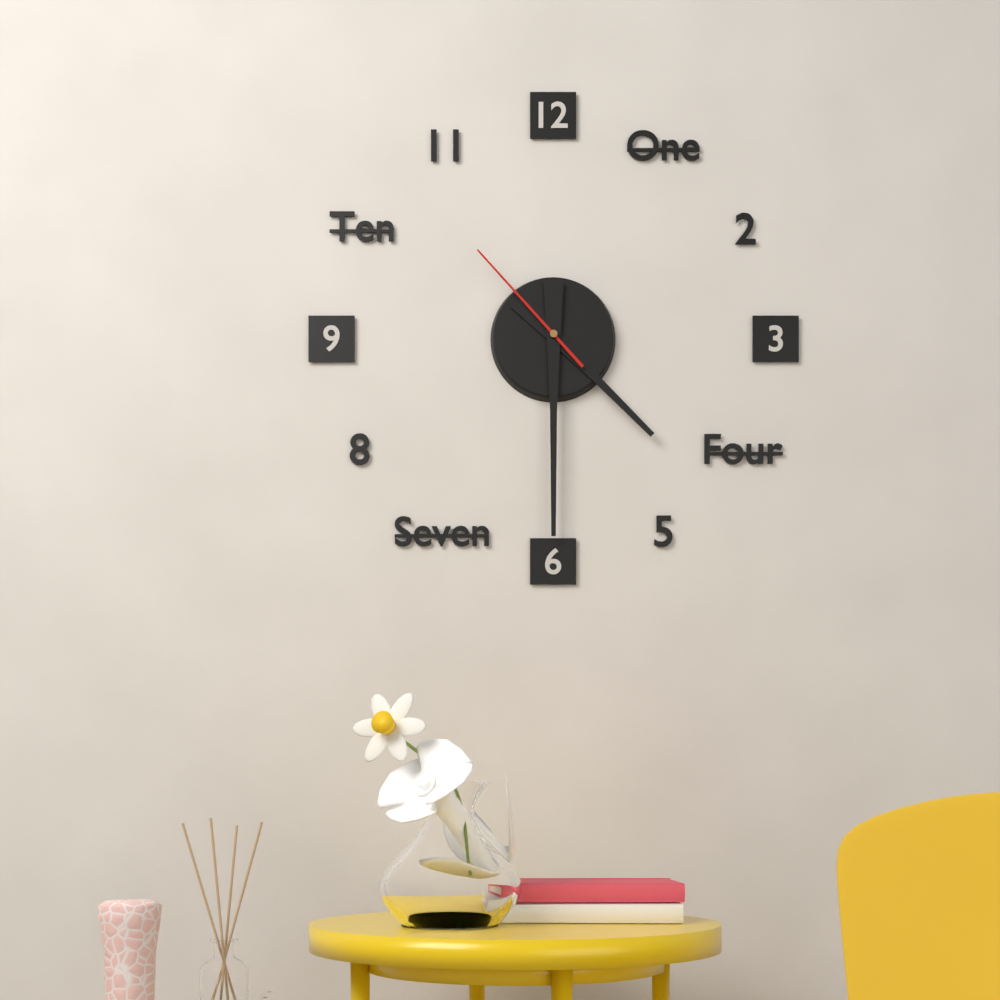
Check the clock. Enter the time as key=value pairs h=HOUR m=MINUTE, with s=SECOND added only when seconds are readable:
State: h=4 m=30 s=53
